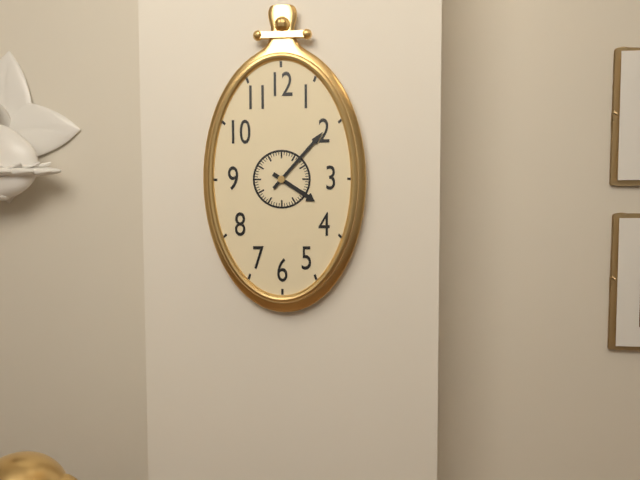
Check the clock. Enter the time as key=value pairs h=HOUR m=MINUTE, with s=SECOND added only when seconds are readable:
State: h=4 m=7
